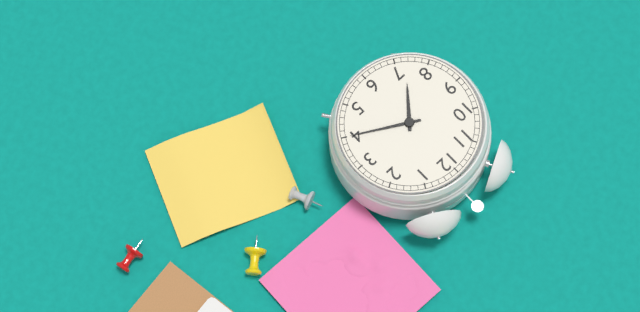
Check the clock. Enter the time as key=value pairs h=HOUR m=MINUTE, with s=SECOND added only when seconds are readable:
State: h=7 m=20
